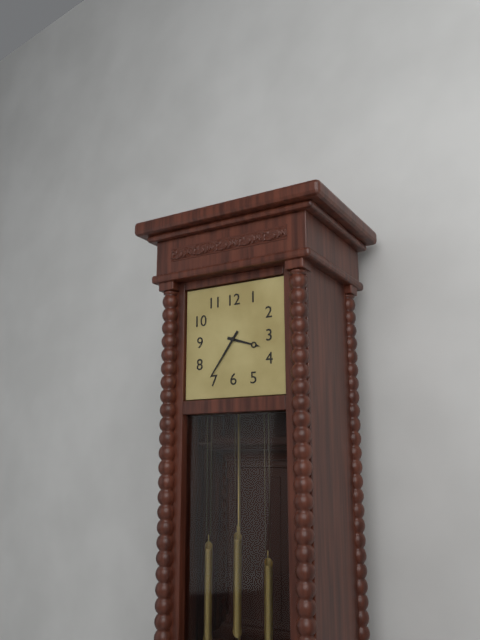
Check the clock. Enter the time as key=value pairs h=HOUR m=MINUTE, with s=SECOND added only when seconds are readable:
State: h=3 m=36
